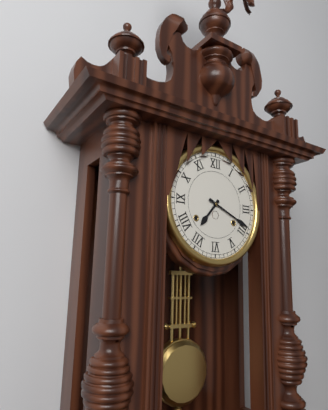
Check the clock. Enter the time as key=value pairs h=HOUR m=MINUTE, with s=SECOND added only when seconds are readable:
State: h=7 m=19
